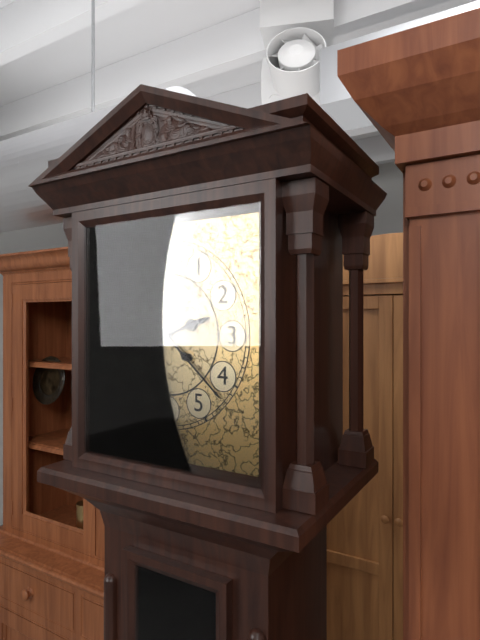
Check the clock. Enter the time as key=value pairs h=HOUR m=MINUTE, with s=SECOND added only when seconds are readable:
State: h=2 m=22
